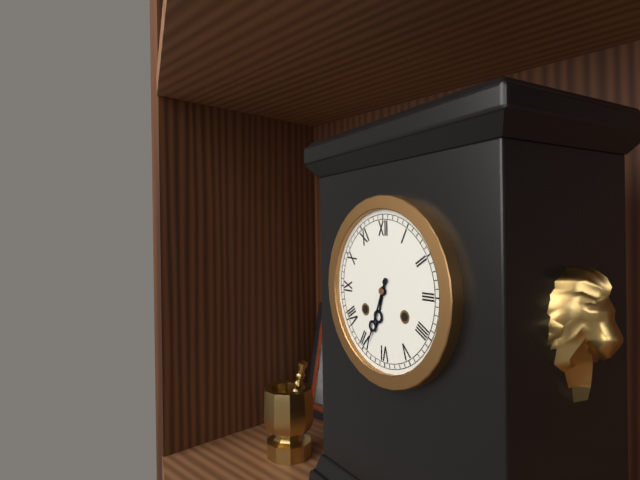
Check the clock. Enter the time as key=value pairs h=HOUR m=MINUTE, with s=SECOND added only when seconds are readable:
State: h=6 m=34
